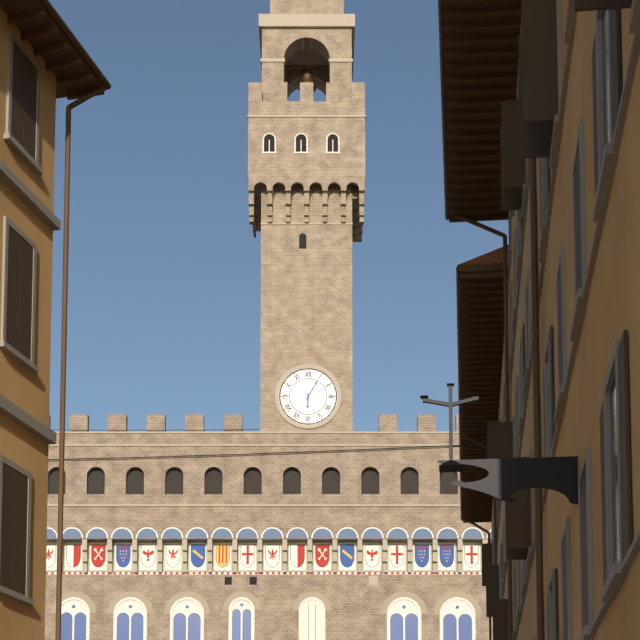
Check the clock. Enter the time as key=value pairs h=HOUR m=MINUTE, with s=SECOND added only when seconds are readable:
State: h=6 m=5
